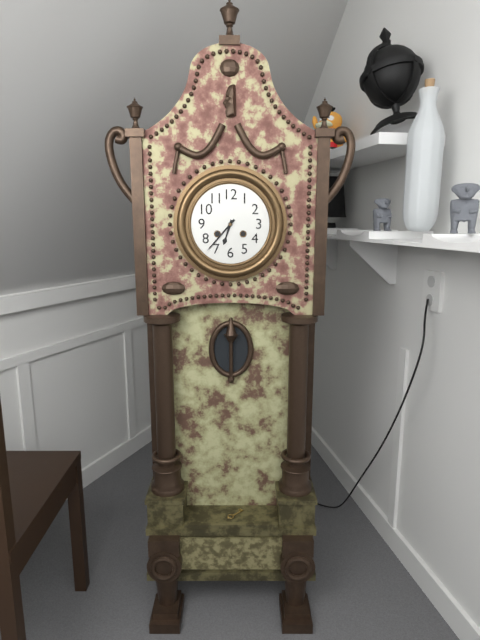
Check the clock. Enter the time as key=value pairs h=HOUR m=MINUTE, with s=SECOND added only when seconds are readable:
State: h=6 m=37
